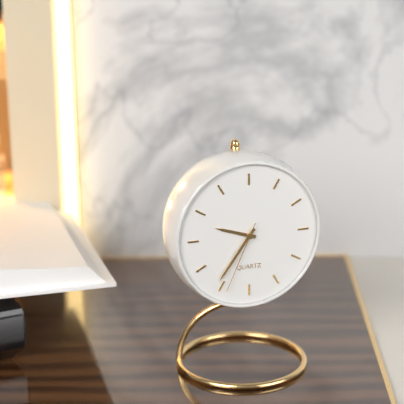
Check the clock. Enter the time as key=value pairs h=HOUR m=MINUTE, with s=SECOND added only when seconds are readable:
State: h=9 m=36 s=34
